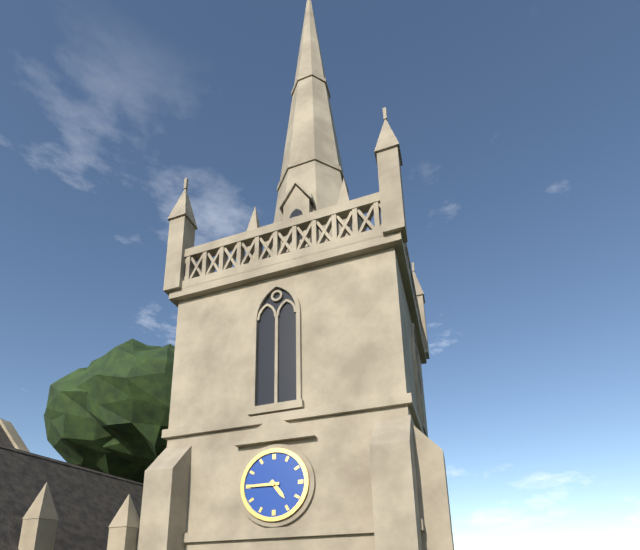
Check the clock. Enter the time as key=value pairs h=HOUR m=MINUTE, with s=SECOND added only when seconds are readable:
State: h=4 m=45
